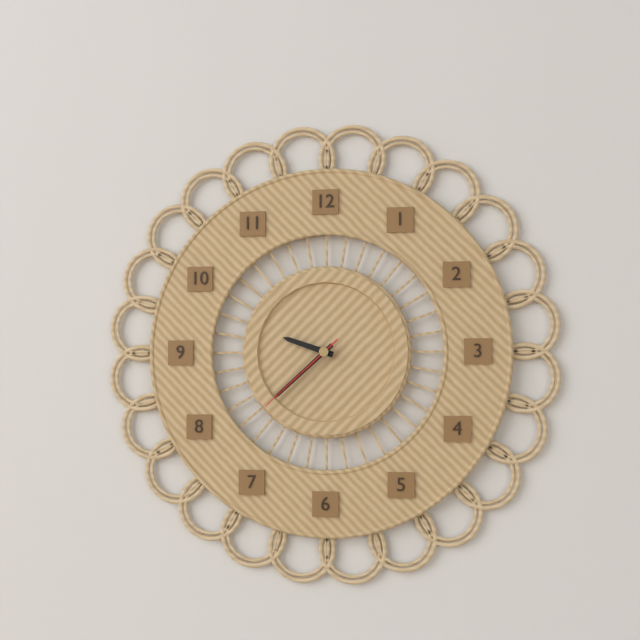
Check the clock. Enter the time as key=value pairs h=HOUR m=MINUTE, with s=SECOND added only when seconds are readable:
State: h=9 m=38 s=38
